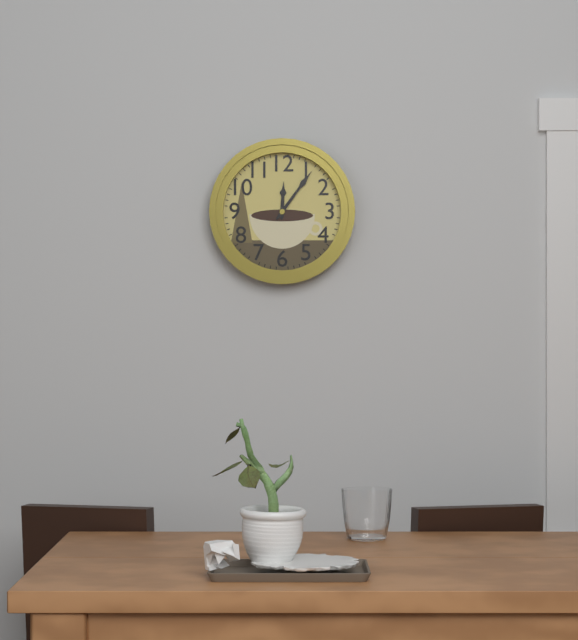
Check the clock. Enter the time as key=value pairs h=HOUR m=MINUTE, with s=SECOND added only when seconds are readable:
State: h=12 m=6
